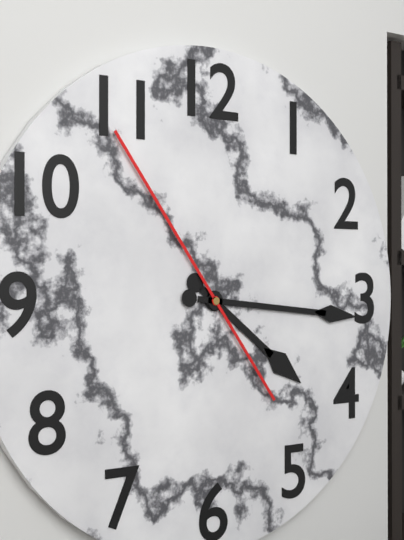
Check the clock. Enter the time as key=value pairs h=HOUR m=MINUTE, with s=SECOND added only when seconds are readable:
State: h=4 m=16 s=54
